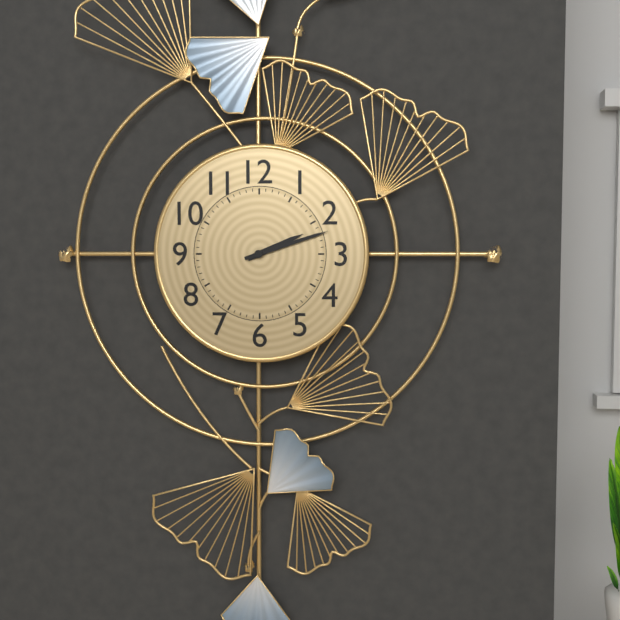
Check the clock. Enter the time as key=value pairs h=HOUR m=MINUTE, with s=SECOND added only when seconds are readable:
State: h=2 m=12
